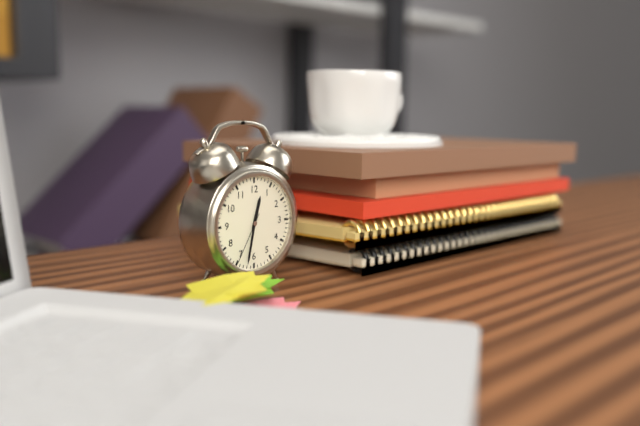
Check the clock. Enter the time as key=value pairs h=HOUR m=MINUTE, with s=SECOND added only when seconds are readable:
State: h=12 m=32 s=35
